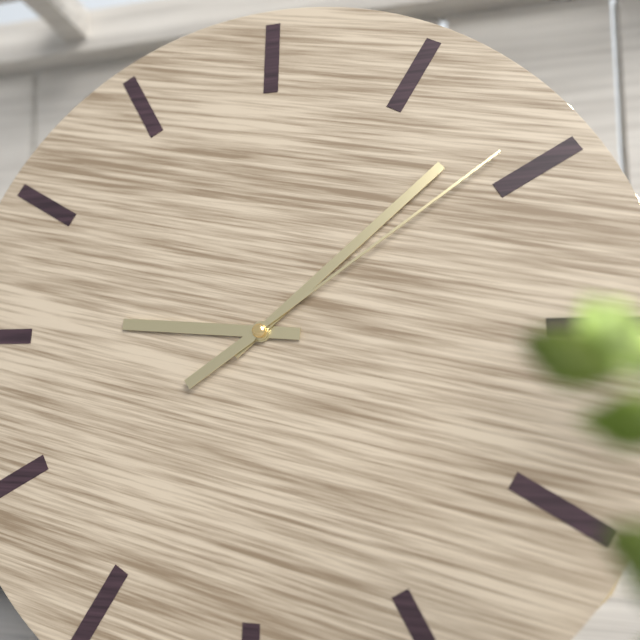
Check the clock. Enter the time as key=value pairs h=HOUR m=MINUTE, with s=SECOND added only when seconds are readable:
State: h=9 m=8 s=9
